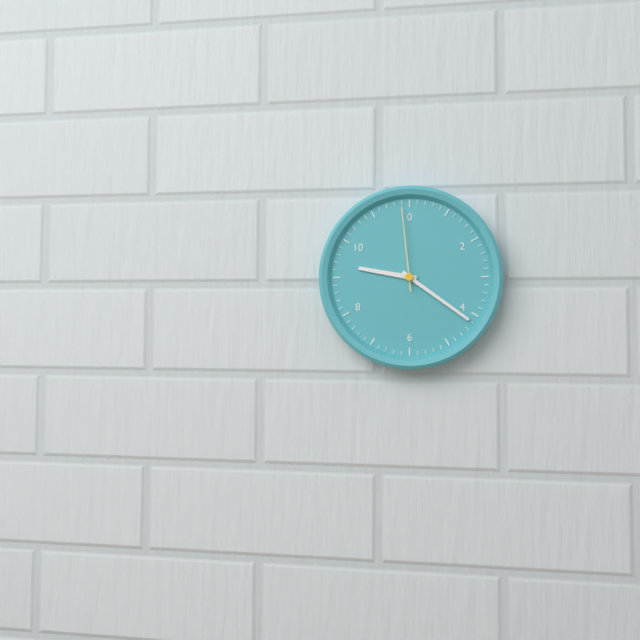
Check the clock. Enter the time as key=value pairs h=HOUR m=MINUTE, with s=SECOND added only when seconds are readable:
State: h=9 m=21 s=59
